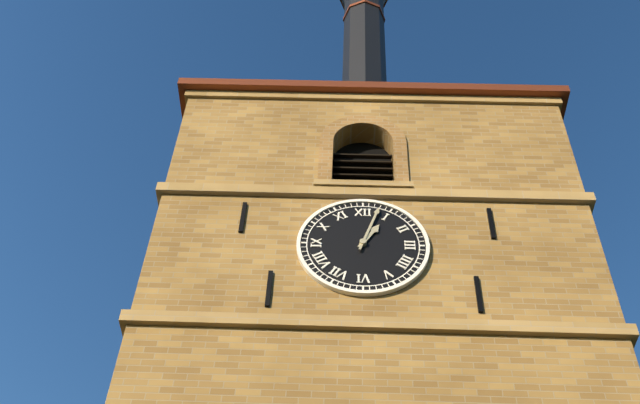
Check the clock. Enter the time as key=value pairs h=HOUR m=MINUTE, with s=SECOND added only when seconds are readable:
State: h=1 m=3
